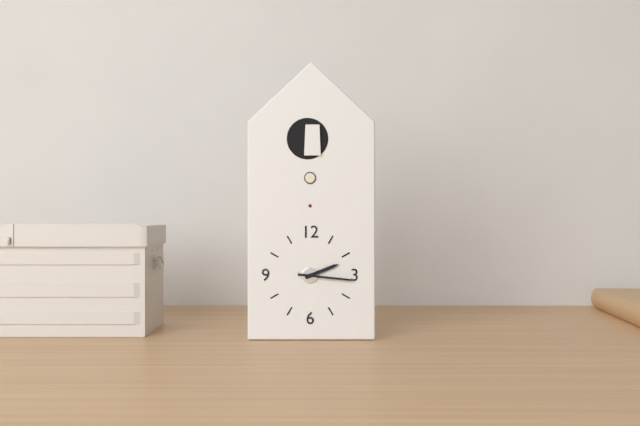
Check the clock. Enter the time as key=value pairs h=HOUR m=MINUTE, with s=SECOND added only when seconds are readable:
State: h=2 m=16
